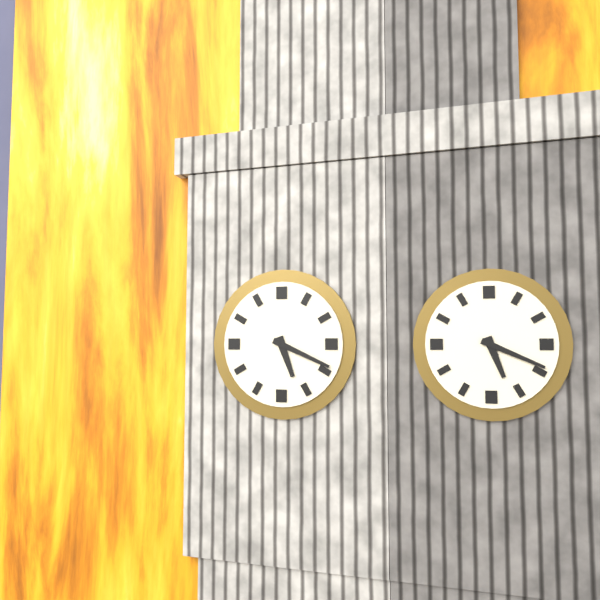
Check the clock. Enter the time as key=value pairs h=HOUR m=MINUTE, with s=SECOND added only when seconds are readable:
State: h=5 m=19
